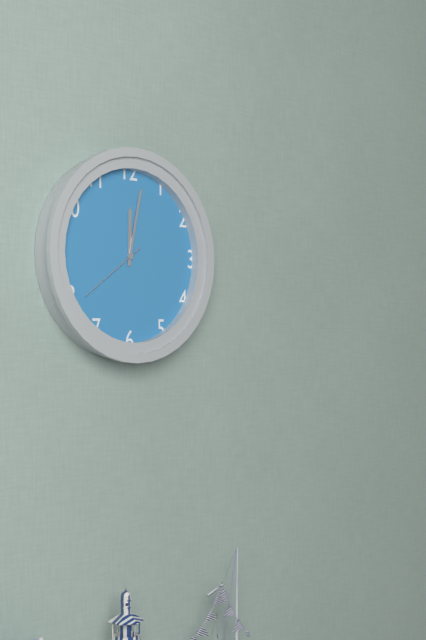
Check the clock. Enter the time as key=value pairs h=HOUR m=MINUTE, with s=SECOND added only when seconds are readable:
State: h=12 m=2 s=39
